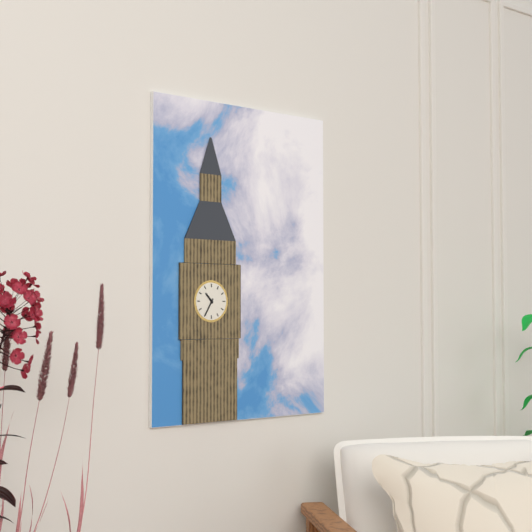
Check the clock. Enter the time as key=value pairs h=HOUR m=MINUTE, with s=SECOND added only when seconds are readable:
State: h=10 m=35
